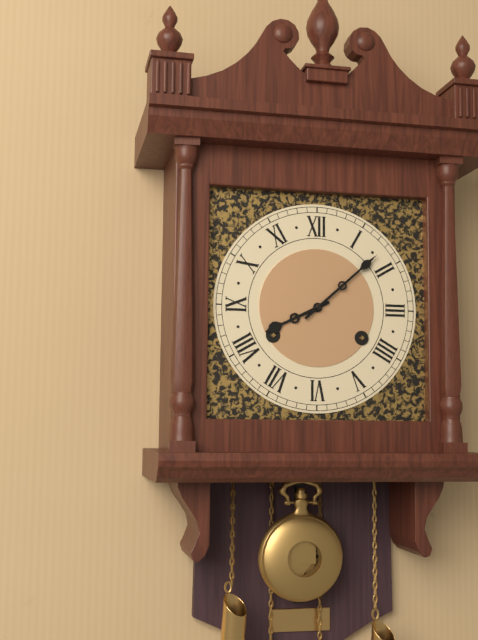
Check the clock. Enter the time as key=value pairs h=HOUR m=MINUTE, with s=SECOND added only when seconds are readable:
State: h=8 m=8
